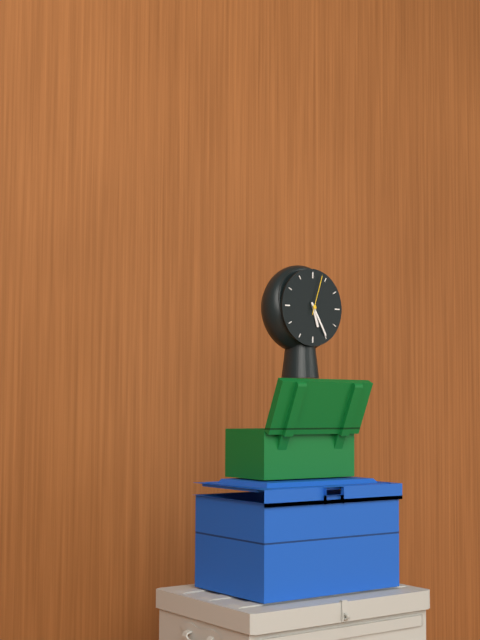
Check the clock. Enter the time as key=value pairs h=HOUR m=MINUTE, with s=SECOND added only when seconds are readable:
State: h=5 m=25
